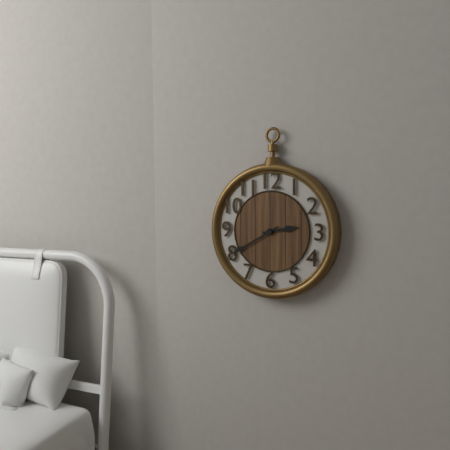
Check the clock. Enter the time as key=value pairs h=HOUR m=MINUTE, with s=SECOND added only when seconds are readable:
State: h=2 m=40
